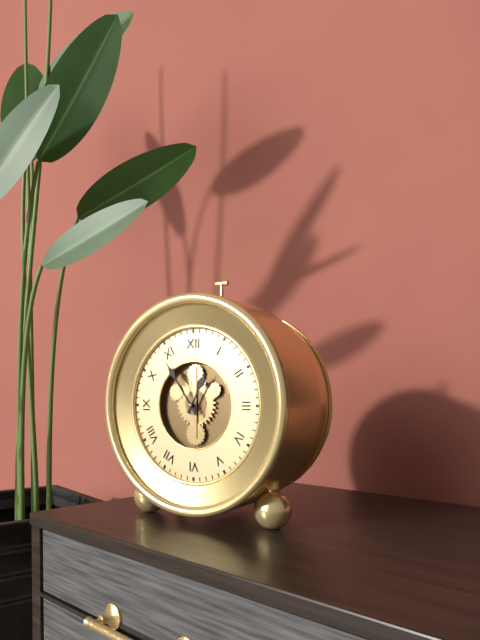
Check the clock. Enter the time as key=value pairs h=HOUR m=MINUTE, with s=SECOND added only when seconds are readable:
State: h=12 m=54
